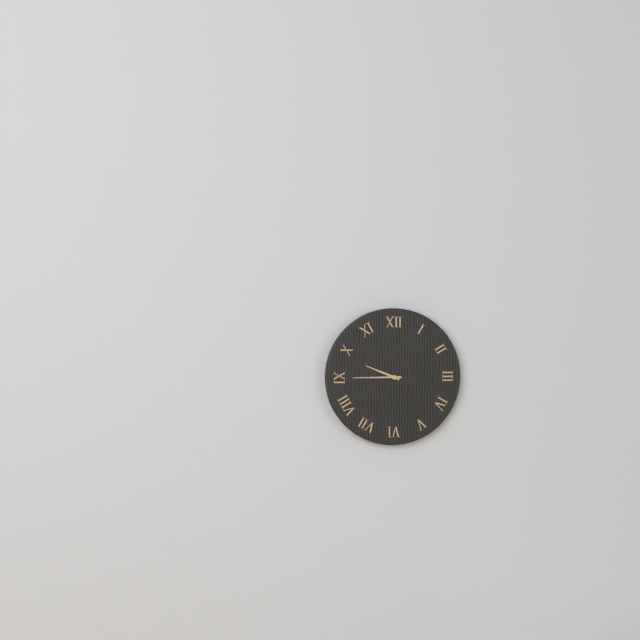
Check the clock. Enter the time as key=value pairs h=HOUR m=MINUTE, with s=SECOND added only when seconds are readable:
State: h=9 m=45
